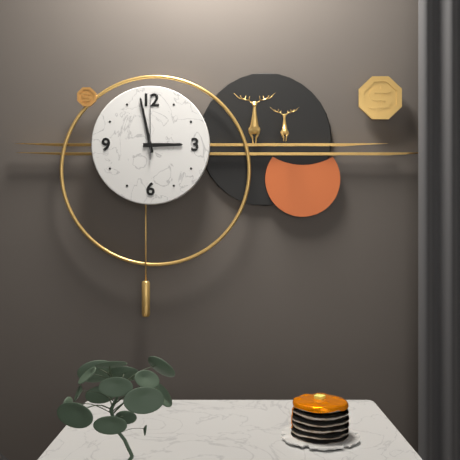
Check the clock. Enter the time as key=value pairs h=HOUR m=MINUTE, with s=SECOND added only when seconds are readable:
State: h=2 m=58 s=0
